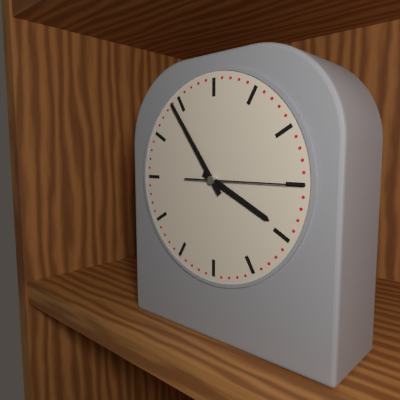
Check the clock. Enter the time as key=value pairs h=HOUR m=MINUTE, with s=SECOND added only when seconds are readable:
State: h=3 m=54 s=15
